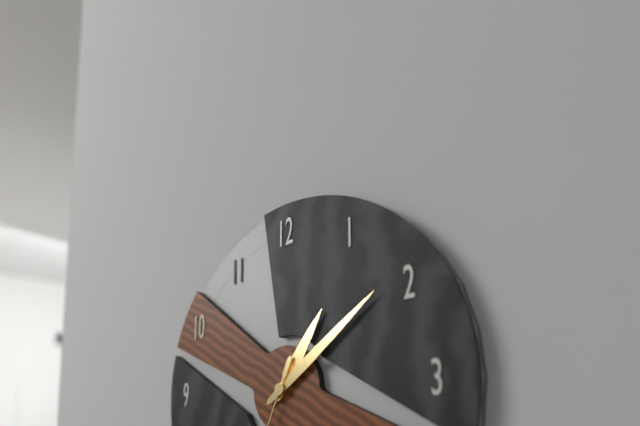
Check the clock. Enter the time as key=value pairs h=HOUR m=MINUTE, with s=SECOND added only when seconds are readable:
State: h=1 m=9
